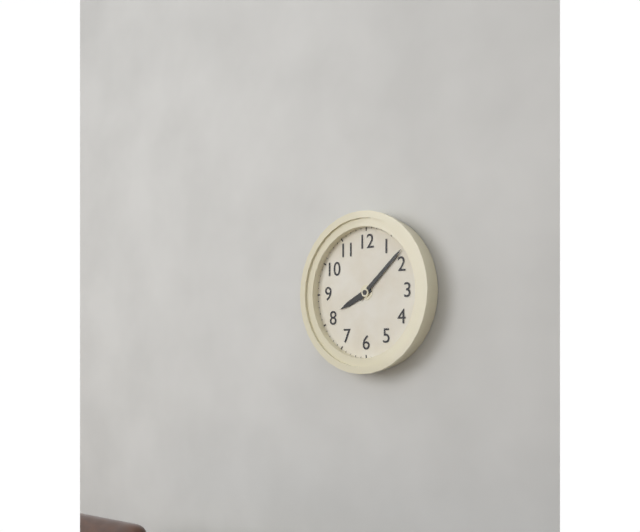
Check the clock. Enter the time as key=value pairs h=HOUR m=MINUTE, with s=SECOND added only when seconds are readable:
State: h=8 m=8
